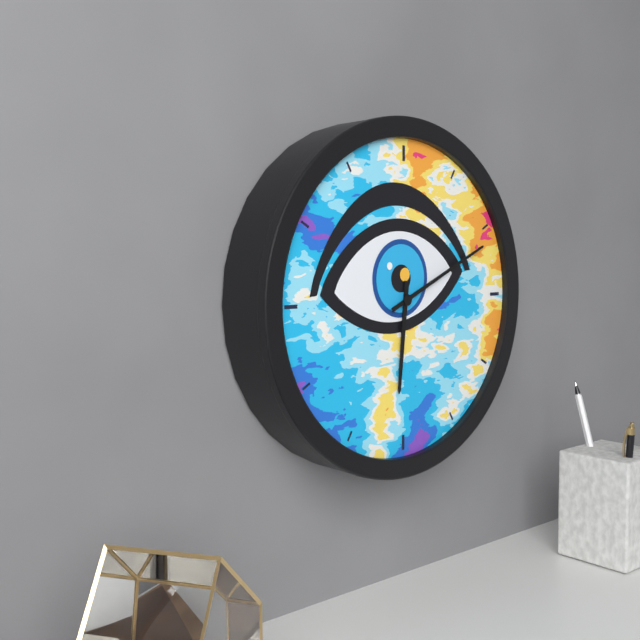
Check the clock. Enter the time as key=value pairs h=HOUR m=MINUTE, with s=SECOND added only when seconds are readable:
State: h=6 m=11
